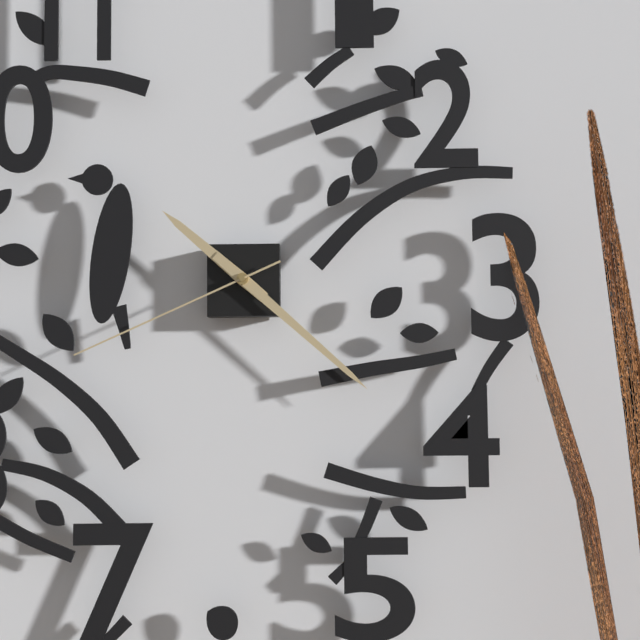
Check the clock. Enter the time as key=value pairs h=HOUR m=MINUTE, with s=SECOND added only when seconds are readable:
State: h=10 m=22 s=41
